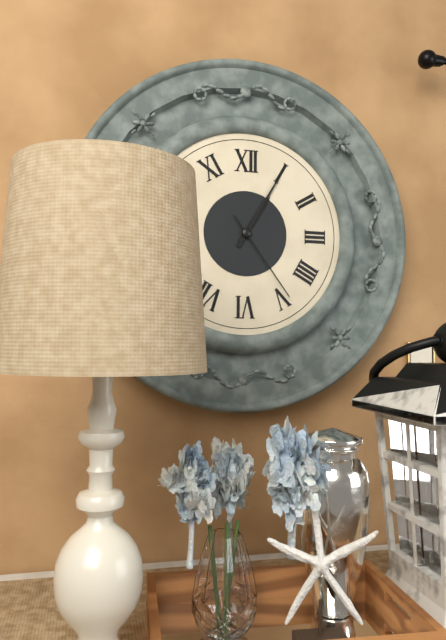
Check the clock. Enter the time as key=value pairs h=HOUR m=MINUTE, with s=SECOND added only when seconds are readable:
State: h=1 m=5 s=24
